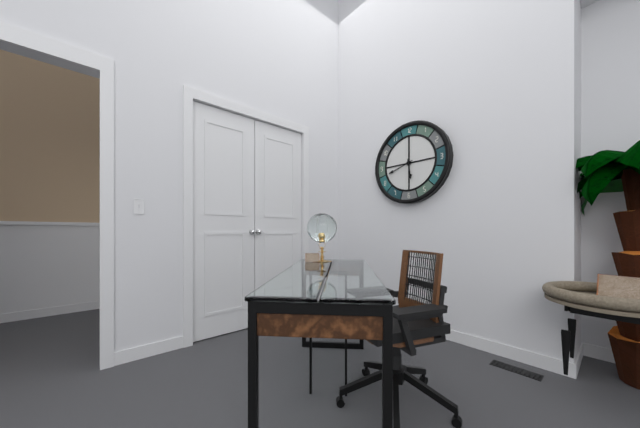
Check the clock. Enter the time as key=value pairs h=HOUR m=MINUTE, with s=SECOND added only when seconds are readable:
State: h=5 m=42
